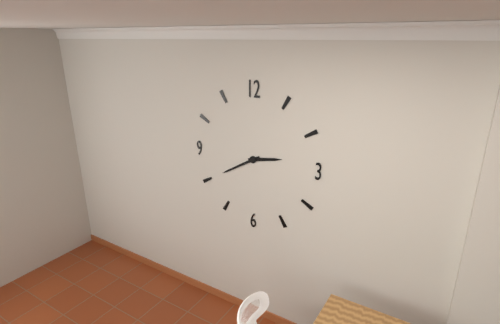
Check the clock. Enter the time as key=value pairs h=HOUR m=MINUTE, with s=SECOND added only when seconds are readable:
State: h=2 m=40
